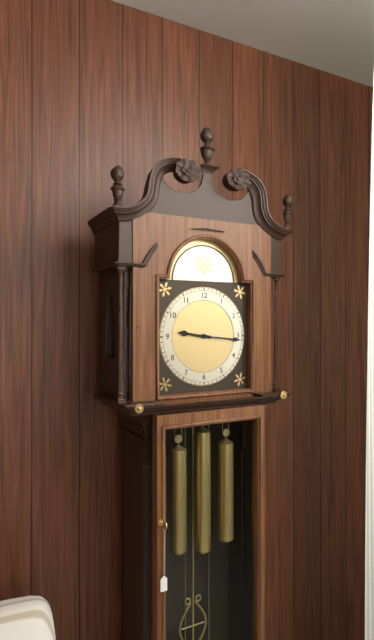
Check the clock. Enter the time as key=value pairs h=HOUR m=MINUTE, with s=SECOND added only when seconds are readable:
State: h=9 m=16
